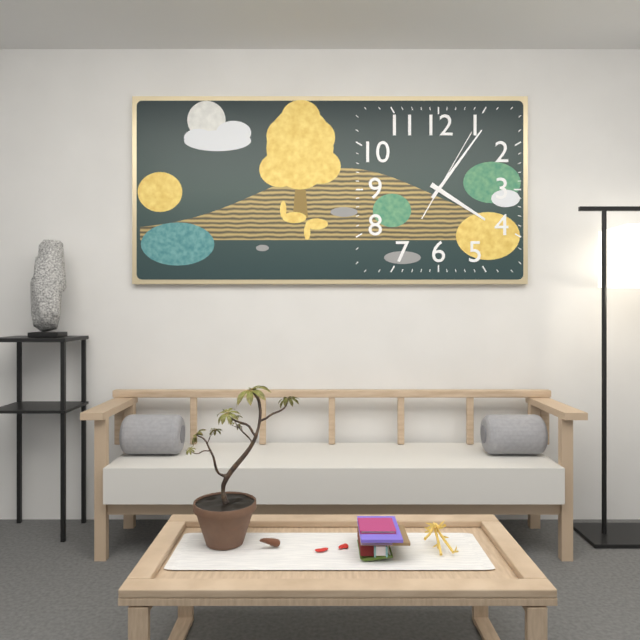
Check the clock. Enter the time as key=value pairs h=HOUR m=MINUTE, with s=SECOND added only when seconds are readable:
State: h=4 m=6 s=5
